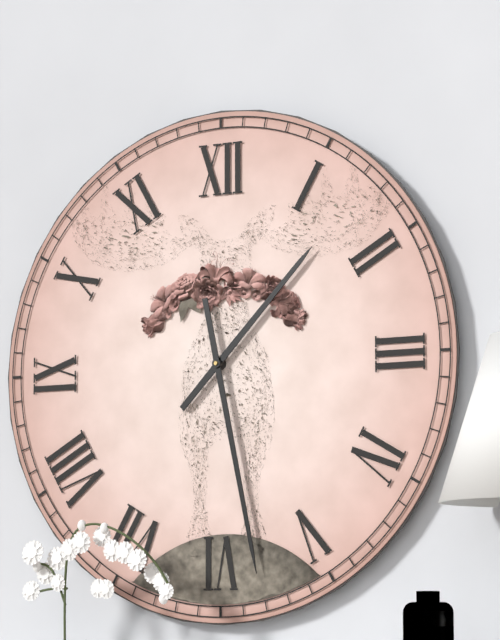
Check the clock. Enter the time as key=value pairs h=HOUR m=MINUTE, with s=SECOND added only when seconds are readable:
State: h=1 m=28
